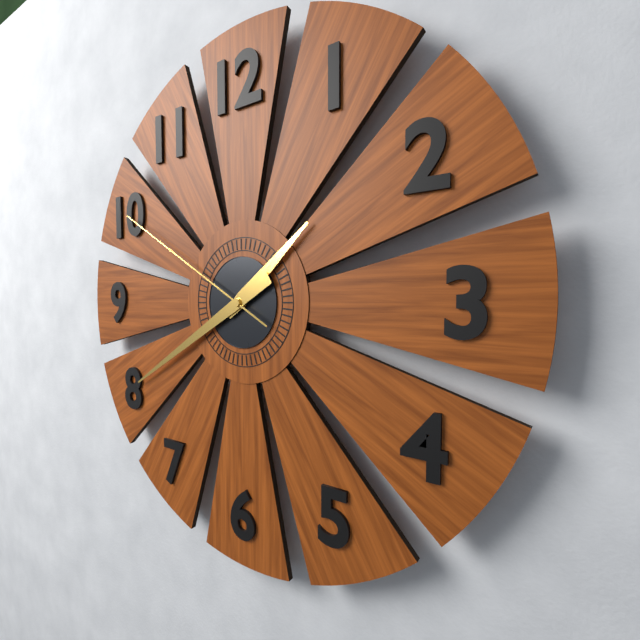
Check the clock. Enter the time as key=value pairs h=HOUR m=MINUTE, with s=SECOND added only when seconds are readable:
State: h=1 m=40 s=50
